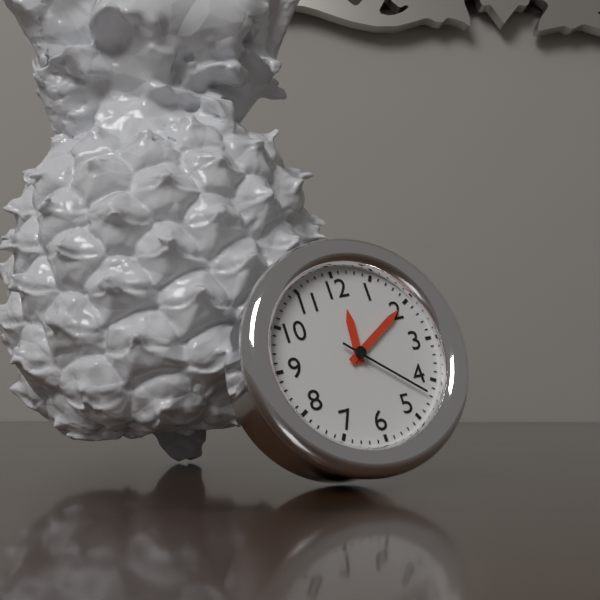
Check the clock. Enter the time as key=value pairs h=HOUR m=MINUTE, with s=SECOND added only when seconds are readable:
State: h=12 m=10 s=22
